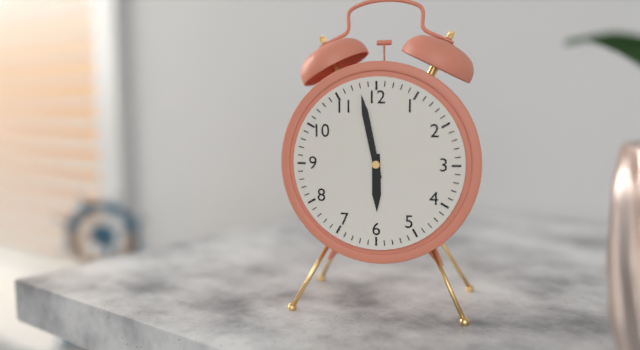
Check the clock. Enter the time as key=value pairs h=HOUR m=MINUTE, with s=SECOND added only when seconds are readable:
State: h=5 m=58
